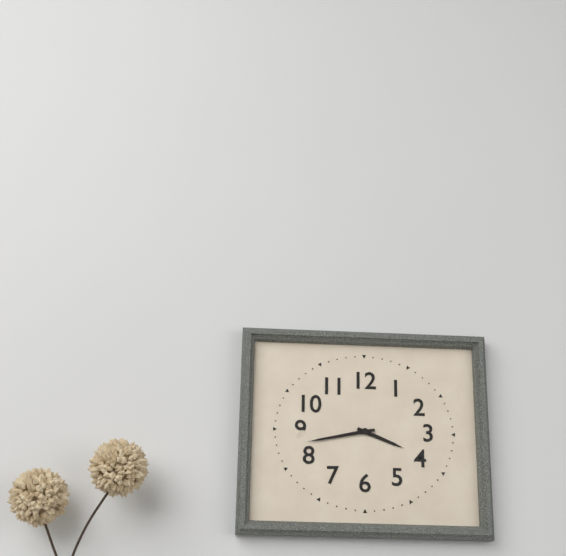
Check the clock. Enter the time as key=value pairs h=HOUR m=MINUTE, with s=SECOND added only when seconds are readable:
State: h=3 m=43
